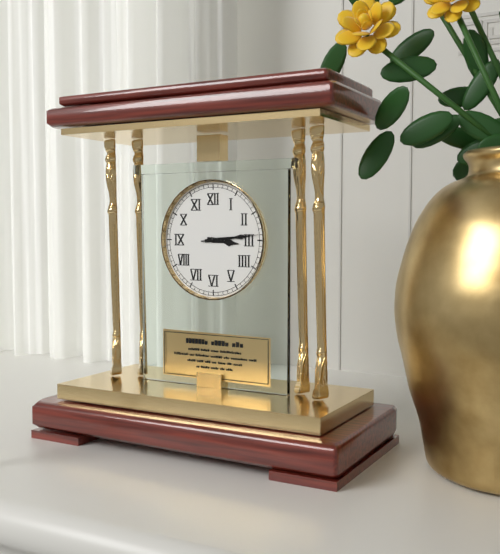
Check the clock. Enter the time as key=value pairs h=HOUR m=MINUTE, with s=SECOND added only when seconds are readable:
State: h=3 m=14 s=14
